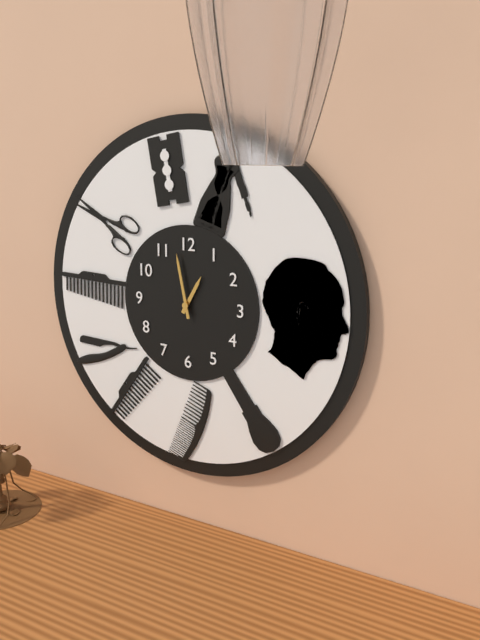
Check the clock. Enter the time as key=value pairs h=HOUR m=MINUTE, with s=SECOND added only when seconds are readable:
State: h=12 m=58
